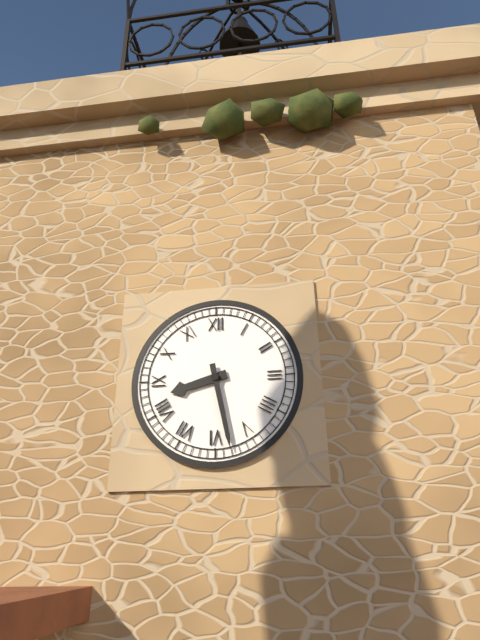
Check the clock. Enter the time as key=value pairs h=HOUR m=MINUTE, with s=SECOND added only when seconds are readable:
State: h=8 m=28
